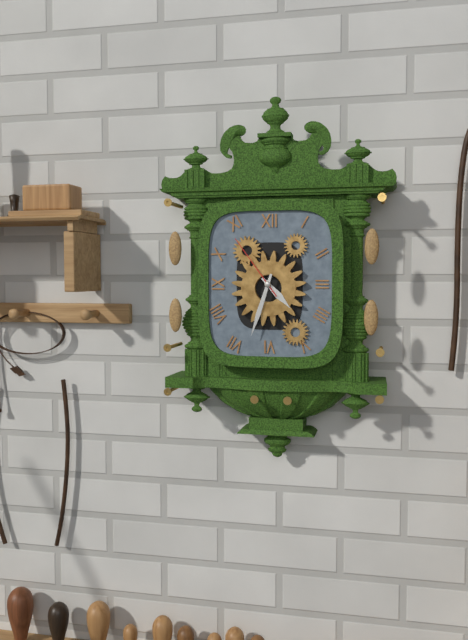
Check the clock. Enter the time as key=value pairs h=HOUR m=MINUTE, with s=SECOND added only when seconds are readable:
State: h=4 m=33 s=54
